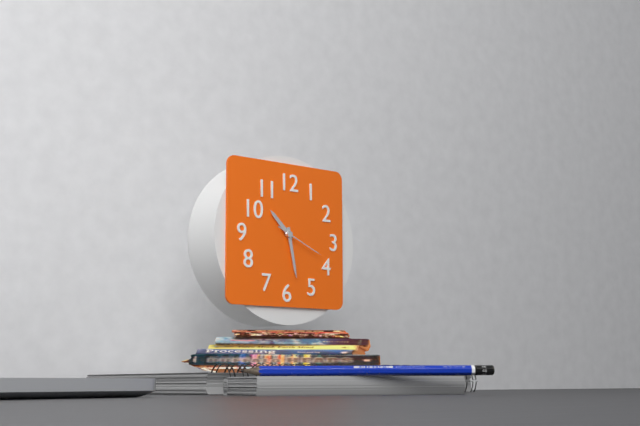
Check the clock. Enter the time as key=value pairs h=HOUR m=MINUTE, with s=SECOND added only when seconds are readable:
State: h=10 m=28 s=19
